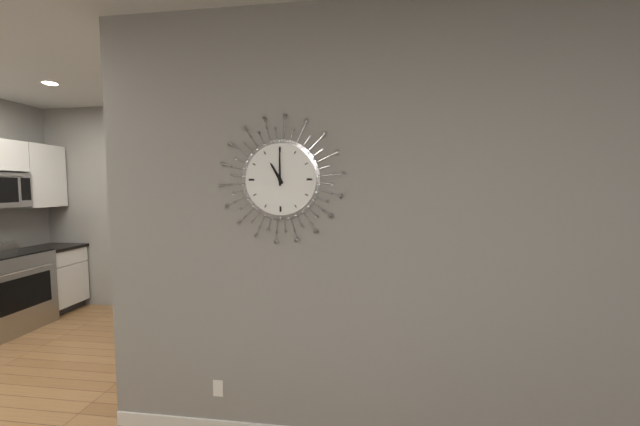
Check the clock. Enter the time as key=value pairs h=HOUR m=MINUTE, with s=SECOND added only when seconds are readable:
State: h=11 m=0
